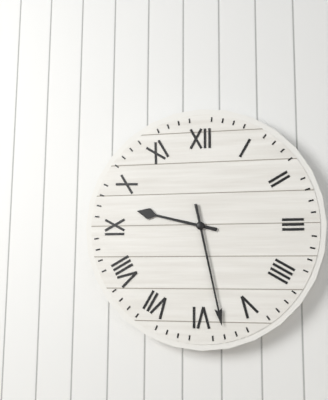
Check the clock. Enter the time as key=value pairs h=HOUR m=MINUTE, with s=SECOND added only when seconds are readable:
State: h=9 m=28
